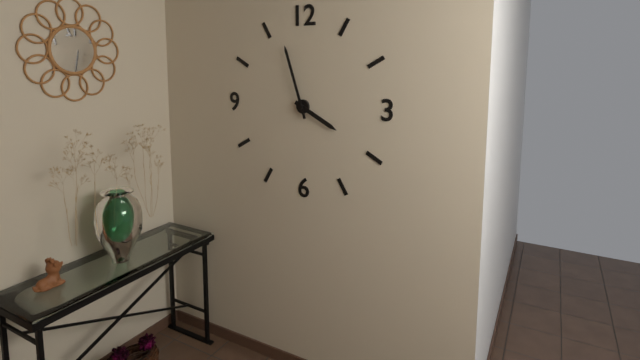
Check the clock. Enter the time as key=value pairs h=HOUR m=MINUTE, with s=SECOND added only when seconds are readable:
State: h=3 m=57
